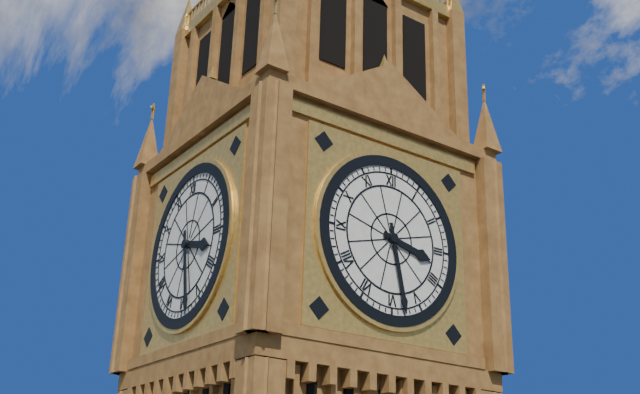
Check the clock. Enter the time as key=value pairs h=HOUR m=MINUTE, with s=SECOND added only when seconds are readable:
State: h=3 m=28
